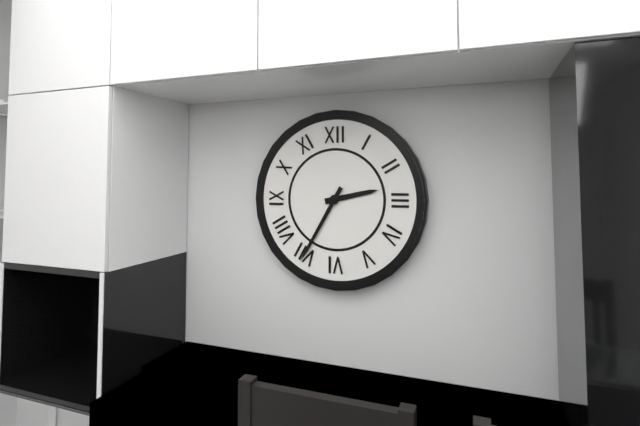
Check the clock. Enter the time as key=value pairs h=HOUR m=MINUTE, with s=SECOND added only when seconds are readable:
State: h=2 m=35
